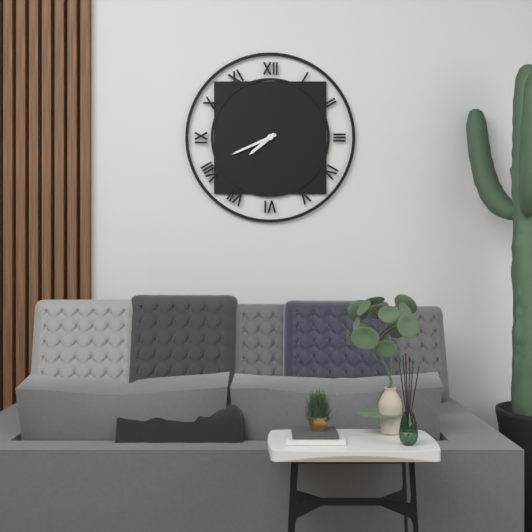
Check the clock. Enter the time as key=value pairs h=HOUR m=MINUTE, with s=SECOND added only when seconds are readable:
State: h=7 m=41
